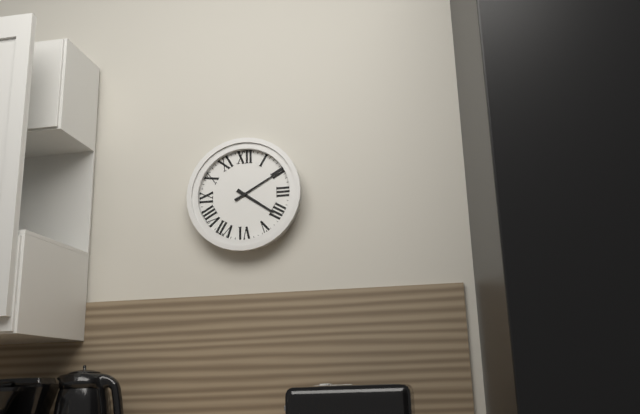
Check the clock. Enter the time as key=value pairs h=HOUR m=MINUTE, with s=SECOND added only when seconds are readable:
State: h=4 m=10
